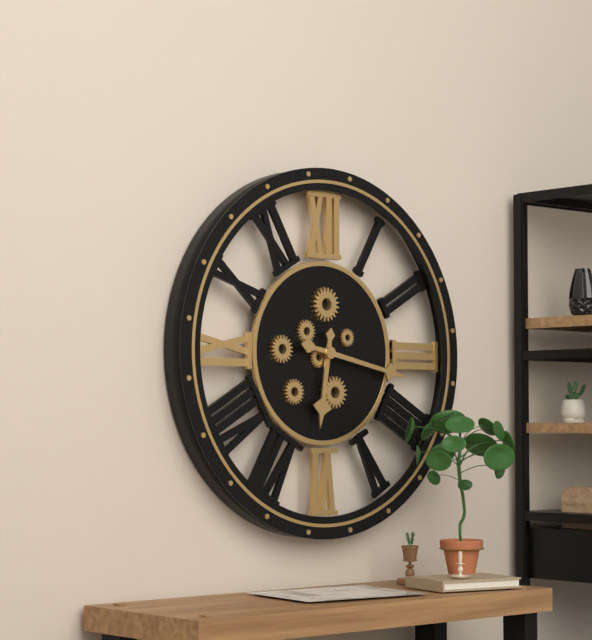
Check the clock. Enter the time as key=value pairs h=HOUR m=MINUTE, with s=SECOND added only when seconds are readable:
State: h=6 m=17
